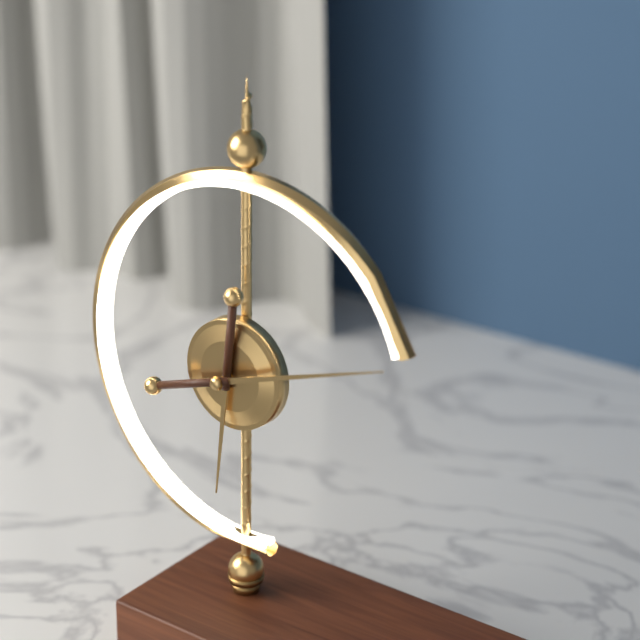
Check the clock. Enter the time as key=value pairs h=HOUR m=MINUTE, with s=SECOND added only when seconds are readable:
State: h=6 m=12
